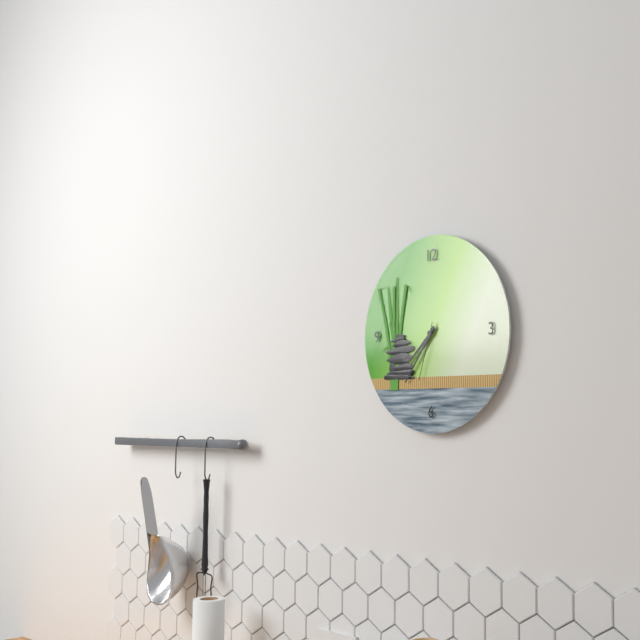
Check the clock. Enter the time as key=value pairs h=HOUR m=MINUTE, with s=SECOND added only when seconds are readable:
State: h=7 m=36 s=33
